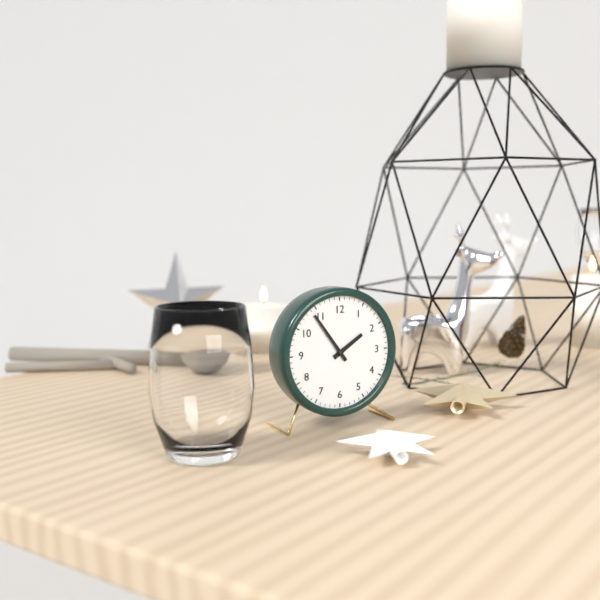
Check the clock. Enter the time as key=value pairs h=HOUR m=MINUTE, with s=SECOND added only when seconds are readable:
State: h=1 m=54
